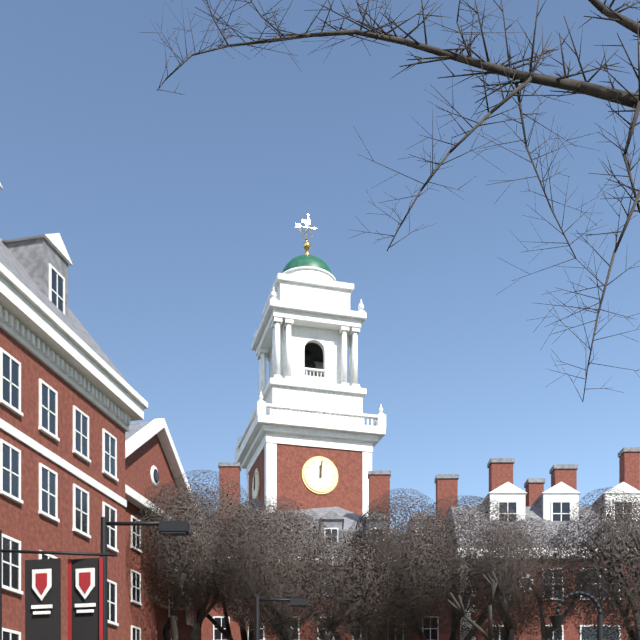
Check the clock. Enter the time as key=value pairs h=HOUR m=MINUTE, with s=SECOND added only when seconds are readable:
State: h=12 m=1
